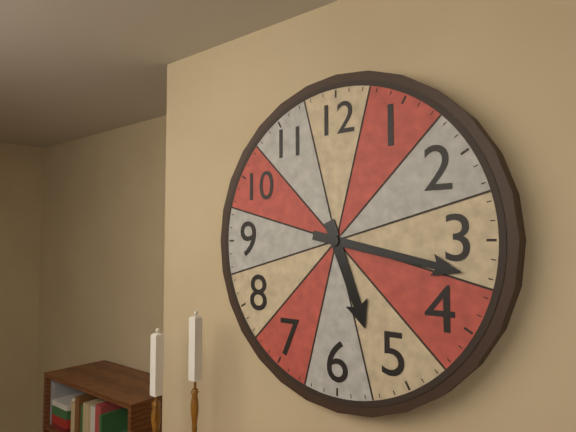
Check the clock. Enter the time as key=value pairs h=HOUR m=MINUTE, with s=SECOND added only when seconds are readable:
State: h=5 m=17
